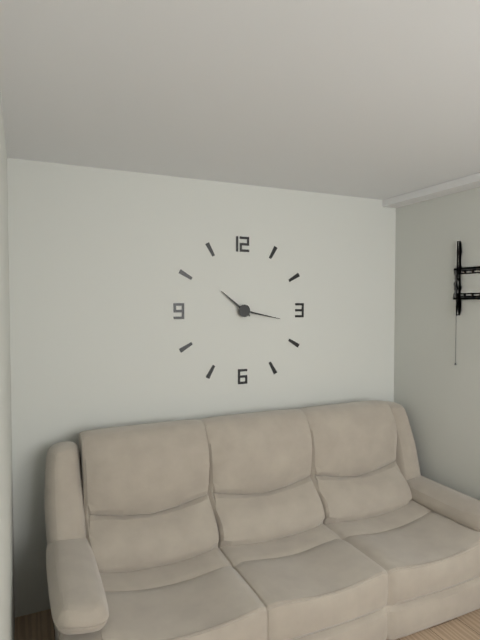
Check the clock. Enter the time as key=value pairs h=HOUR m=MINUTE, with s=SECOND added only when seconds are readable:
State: h=10 m=17
